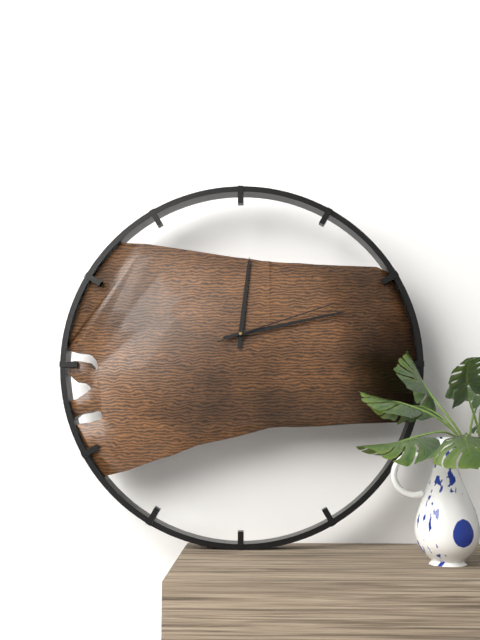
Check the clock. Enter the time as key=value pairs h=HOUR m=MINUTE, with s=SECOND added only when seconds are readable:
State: h=12 m=13 s=12
